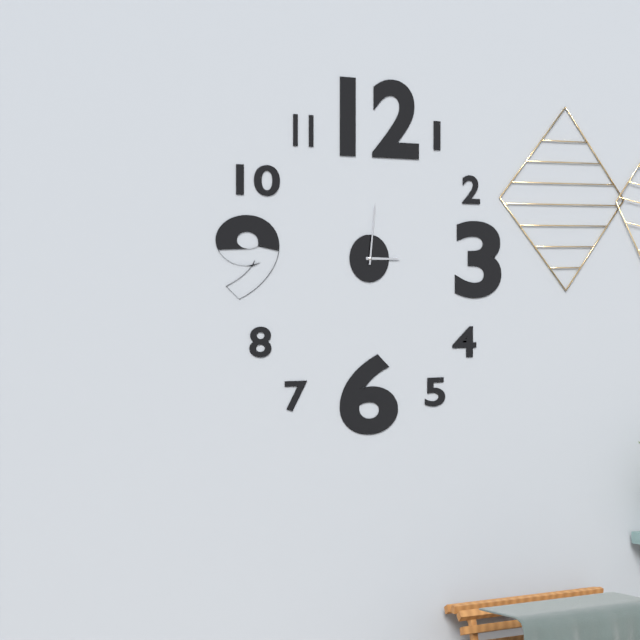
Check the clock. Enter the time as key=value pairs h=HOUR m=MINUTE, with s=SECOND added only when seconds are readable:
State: h=3 m=1
